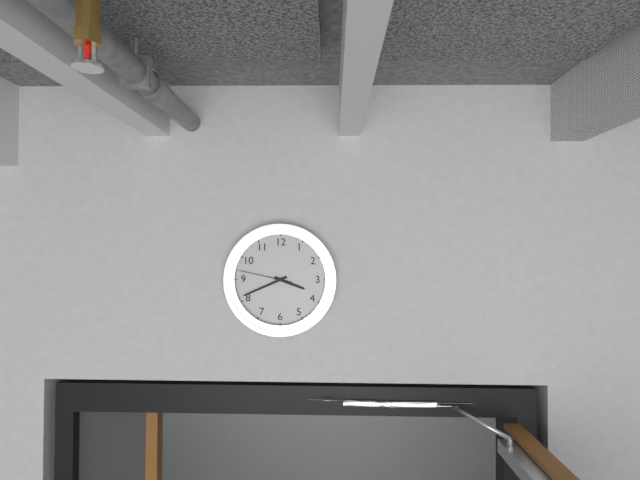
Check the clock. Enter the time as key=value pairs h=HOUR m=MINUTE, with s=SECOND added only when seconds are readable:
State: h=3 m=41 s=47
